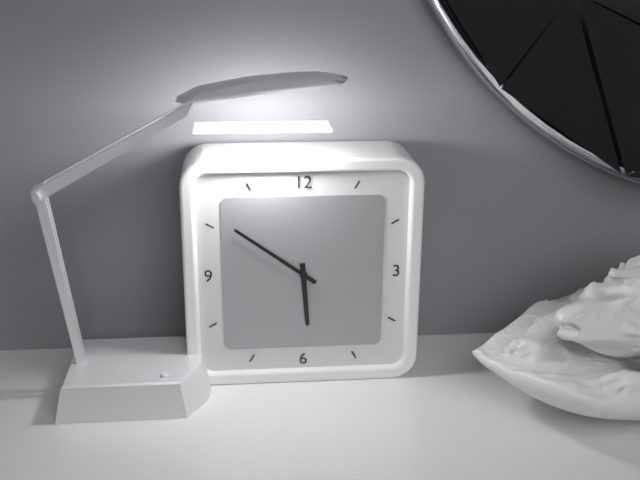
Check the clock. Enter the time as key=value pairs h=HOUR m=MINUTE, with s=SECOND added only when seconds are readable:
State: h=5 m=51
